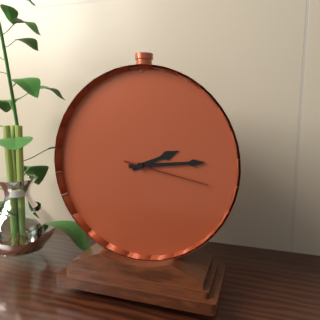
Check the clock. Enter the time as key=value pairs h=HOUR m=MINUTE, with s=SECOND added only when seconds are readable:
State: h=2 m=14 s=17
